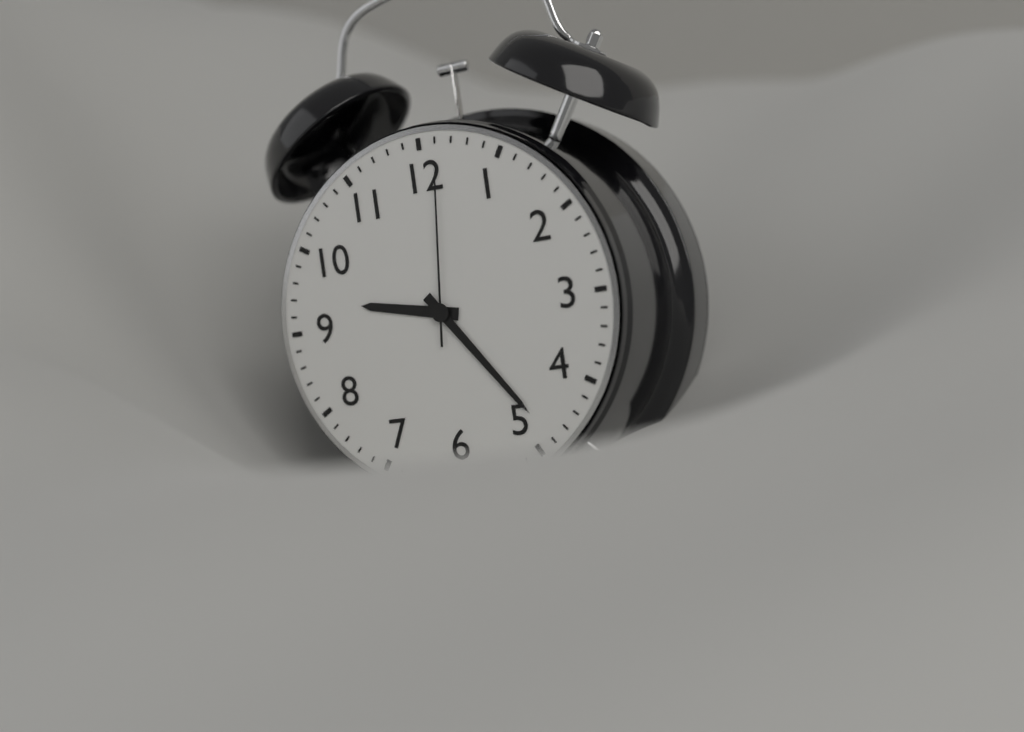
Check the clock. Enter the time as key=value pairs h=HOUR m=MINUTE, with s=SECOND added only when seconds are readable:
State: h=9 m=24 s=1
